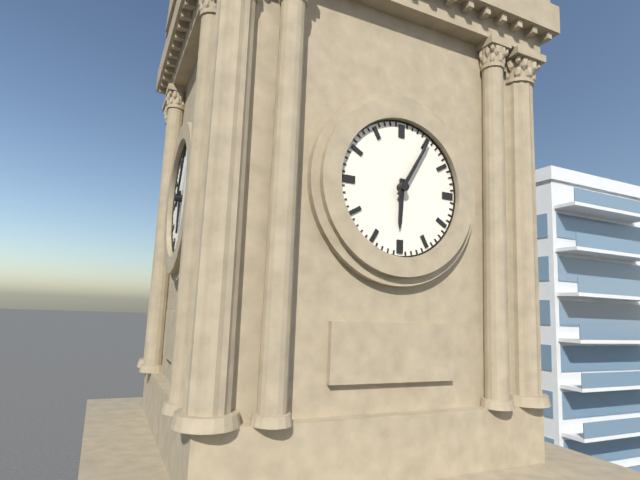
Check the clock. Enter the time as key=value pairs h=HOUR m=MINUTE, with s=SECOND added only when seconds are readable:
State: h=6 m=5
